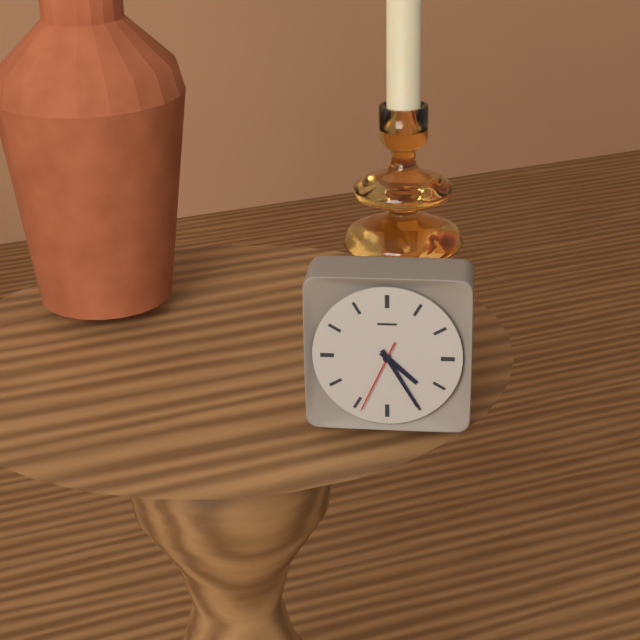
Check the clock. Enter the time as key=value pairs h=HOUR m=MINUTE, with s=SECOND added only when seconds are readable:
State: h=4 m=25 s=34
